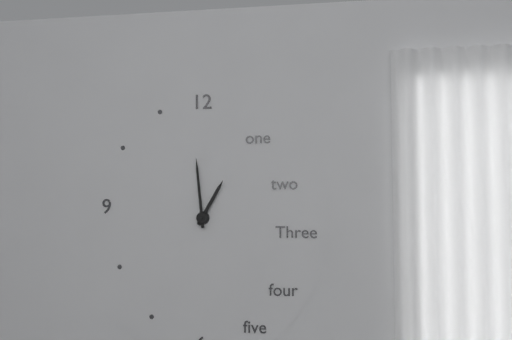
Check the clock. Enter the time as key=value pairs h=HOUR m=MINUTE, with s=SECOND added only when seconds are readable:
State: h=12 m=59
